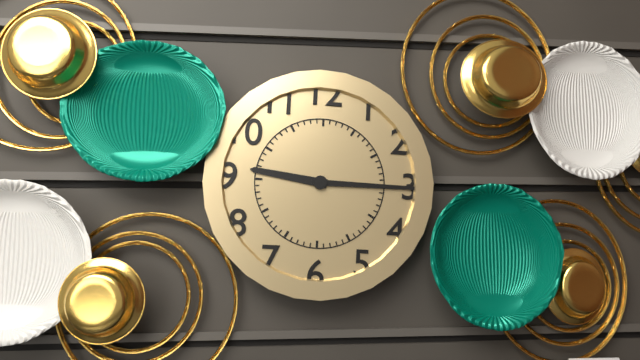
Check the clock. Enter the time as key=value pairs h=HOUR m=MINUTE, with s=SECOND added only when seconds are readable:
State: h=9 m=15
